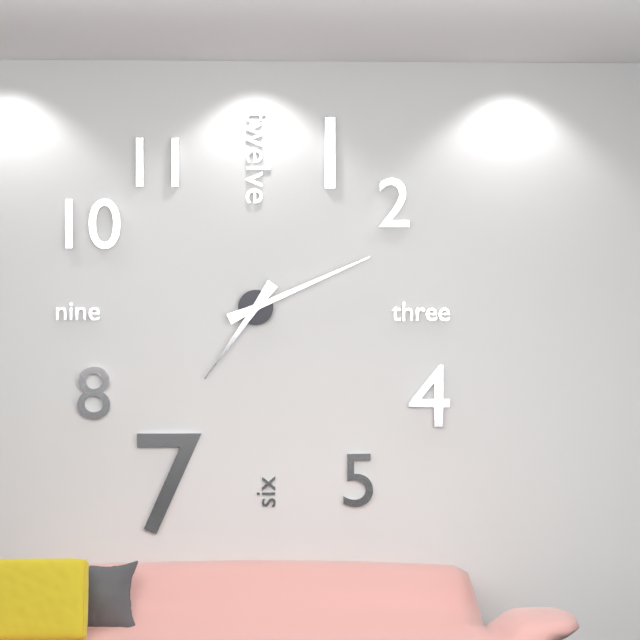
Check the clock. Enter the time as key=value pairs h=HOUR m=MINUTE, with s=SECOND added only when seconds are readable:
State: h=7 m=11
